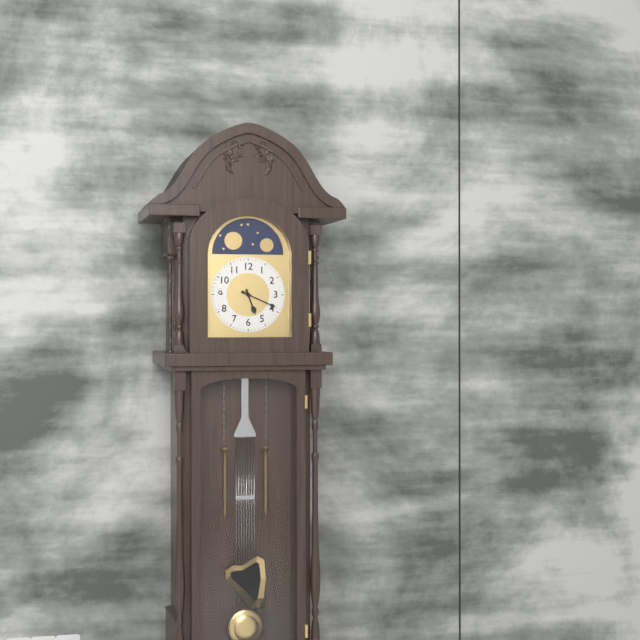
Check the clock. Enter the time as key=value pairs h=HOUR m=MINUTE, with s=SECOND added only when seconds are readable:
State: h=5 m=19
